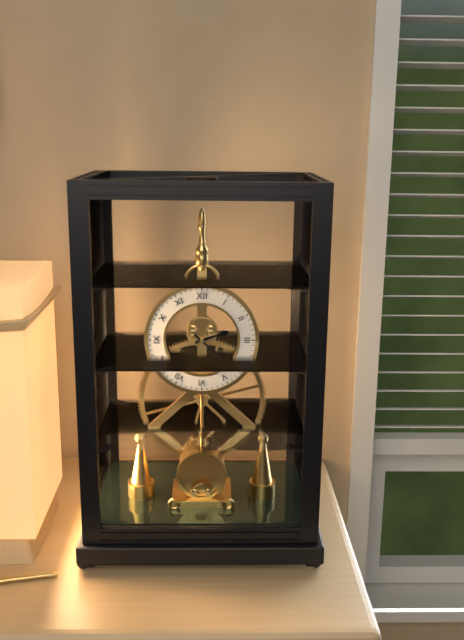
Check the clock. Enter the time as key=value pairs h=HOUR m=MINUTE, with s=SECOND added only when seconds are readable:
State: h=2 m=22
